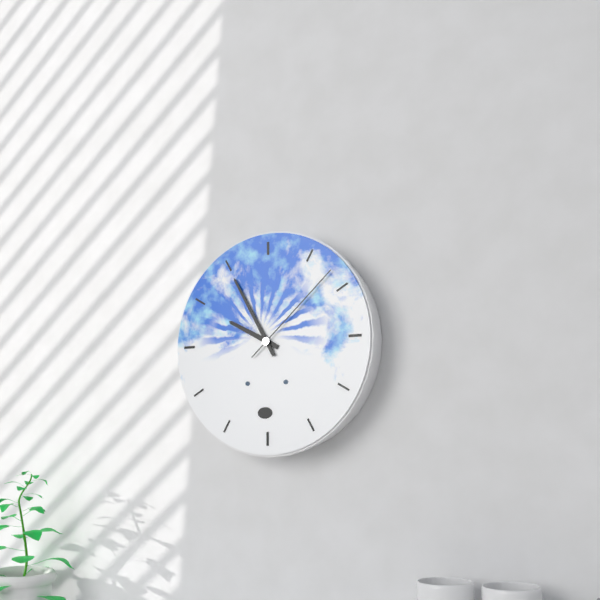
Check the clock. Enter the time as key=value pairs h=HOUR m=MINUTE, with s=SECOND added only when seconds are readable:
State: h=9 m=55 s=8
